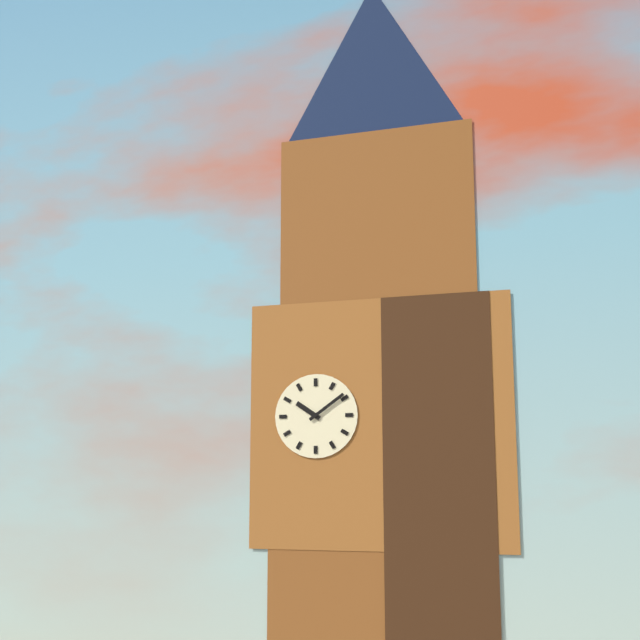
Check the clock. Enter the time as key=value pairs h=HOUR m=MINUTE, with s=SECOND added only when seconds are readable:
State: h=10 m=9
